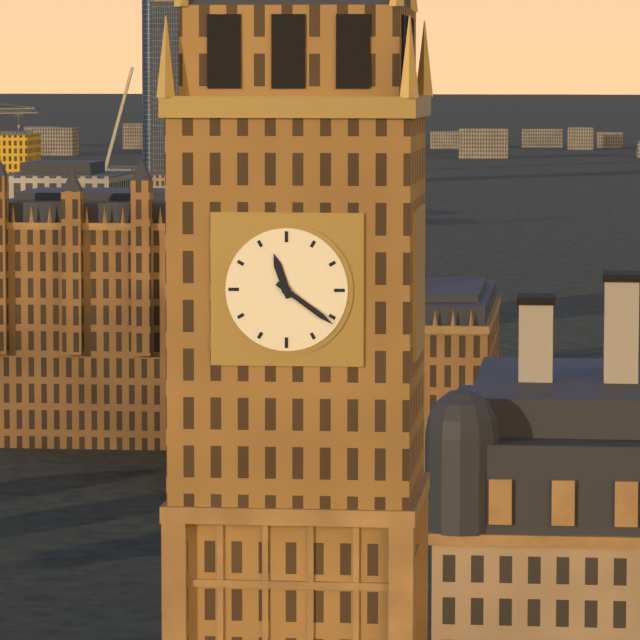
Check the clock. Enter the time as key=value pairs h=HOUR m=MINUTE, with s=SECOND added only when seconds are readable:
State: h=11 m=21
